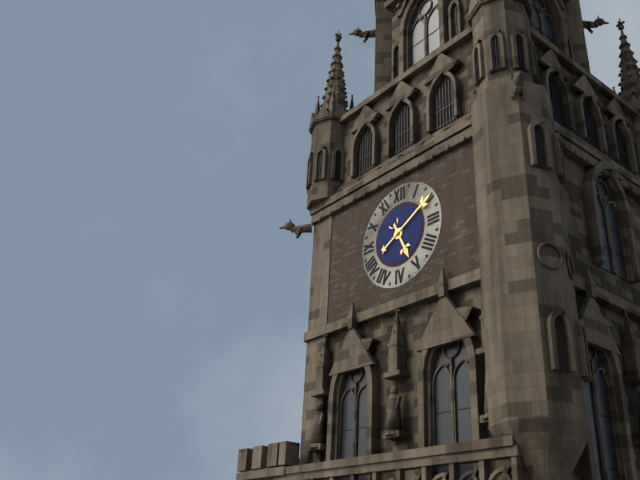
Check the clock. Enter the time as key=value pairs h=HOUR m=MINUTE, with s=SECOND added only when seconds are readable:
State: h=5 m=10
